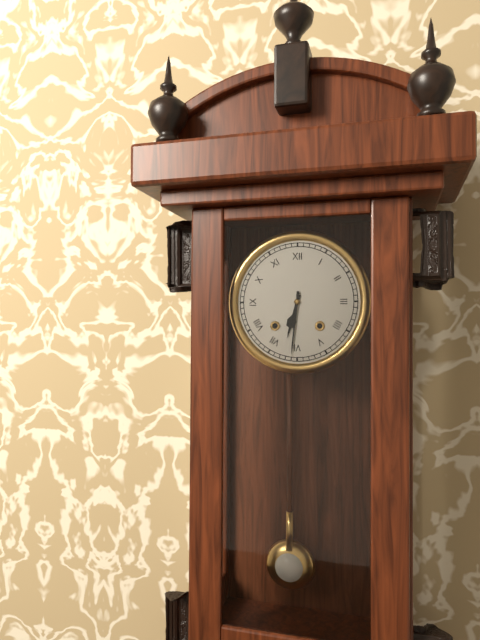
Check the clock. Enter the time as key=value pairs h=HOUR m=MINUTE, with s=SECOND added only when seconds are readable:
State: h=6 m=31
